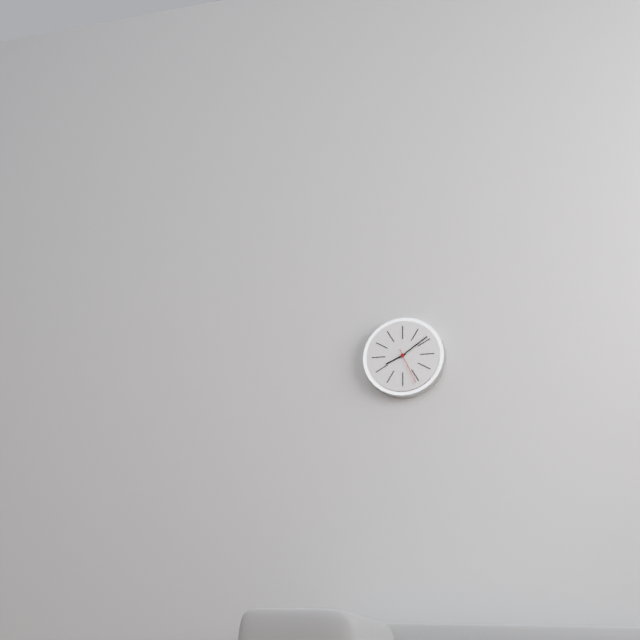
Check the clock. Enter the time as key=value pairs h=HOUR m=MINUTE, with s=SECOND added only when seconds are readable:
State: h=8 m=9
